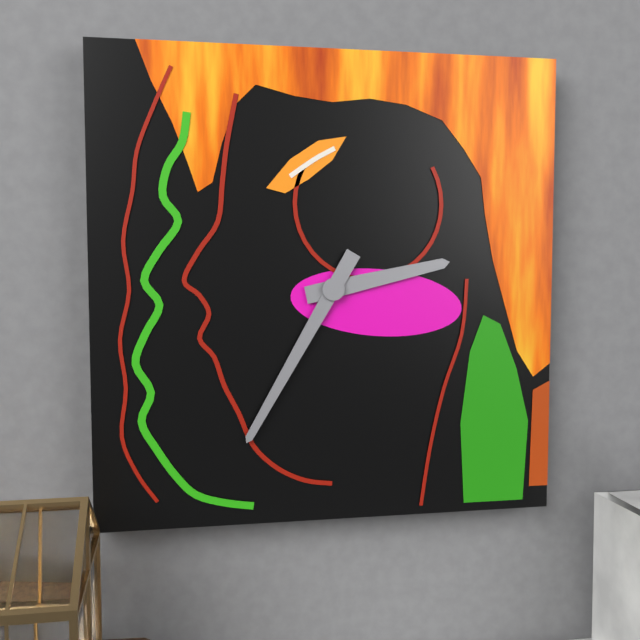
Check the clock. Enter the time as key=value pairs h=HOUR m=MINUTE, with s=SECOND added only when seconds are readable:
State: h=2 m=35
